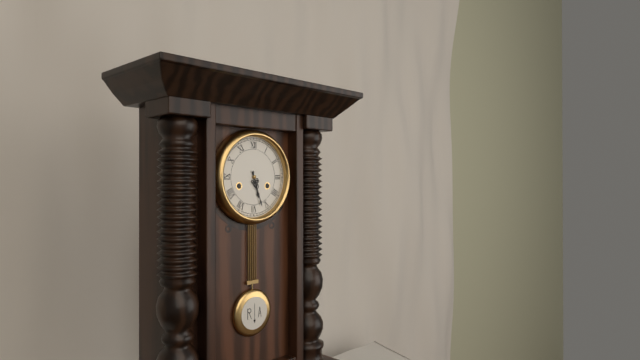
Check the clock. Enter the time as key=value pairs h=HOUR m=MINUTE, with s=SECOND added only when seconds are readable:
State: h=5 m=27
